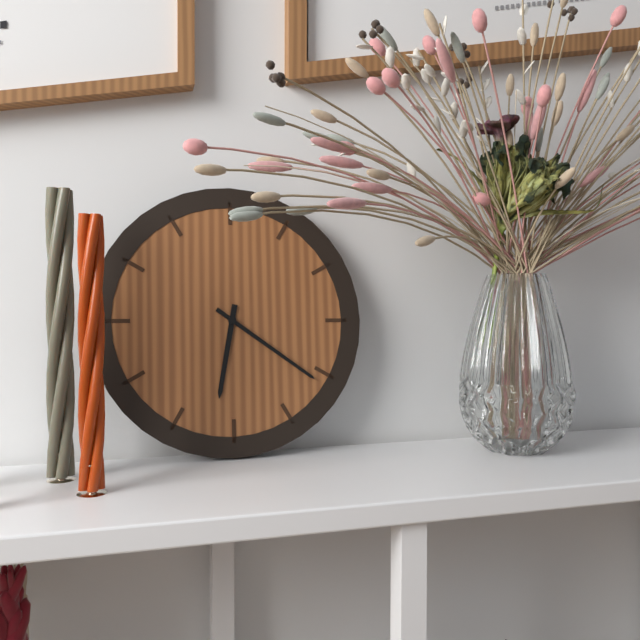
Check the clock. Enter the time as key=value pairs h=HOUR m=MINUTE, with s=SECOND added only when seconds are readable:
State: h=6 m=21
